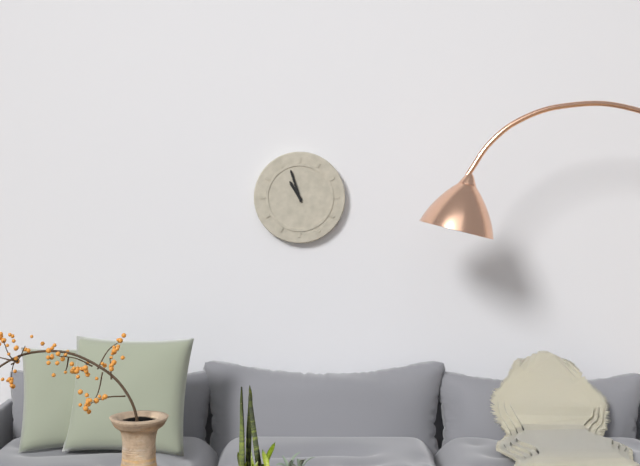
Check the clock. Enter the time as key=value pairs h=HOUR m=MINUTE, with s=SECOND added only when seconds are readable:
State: h=10 m=57
